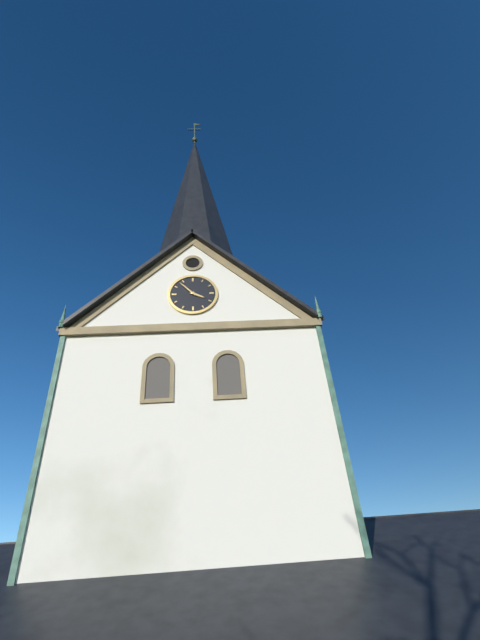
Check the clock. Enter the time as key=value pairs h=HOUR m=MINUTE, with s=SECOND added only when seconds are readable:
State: h=3 m=53
